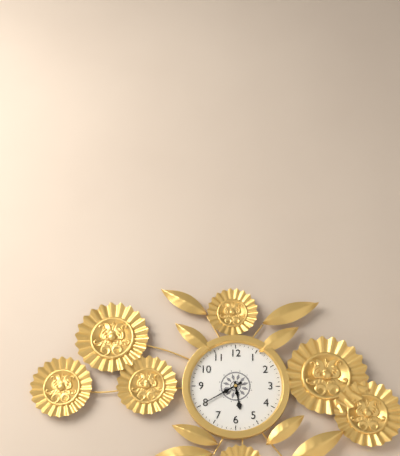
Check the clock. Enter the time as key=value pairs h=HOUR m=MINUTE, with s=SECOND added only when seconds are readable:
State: h=5 m=40
